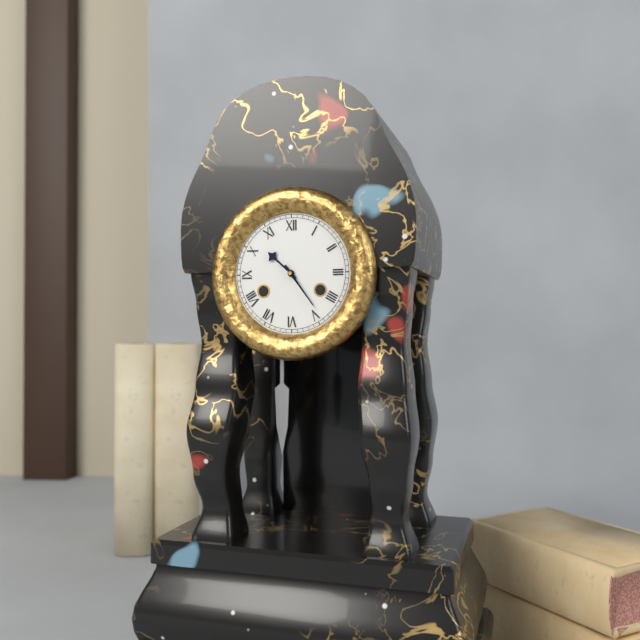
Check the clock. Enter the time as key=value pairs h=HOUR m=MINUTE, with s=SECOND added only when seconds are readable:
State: h=10 m=24
